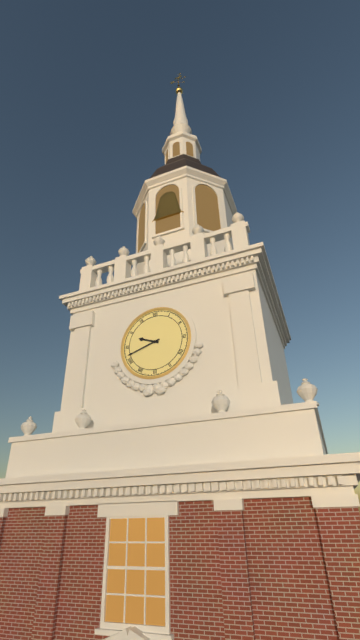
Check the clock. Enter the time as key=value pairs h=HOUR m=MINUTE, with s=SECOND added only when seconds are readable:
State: h=9 m=42
